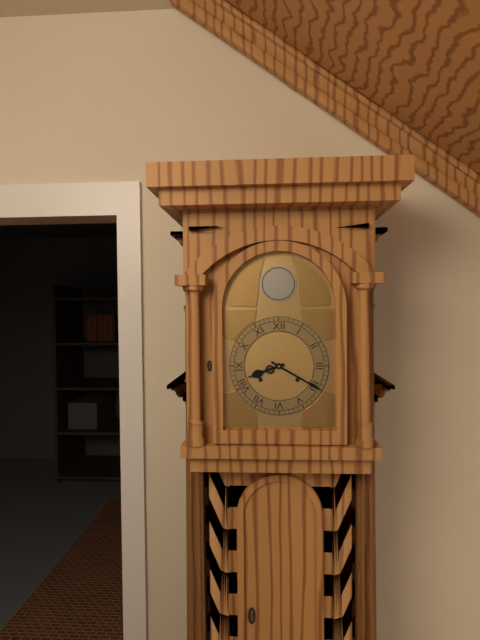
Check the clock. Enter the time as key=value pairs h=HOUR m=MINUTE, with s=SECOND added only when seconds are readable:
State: h=8 m=20
